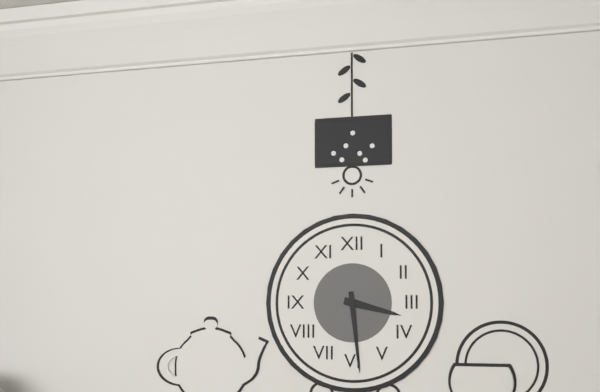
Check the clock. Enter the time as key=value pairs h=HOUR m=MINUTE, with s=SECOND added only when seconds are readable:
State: h=3 m=29
